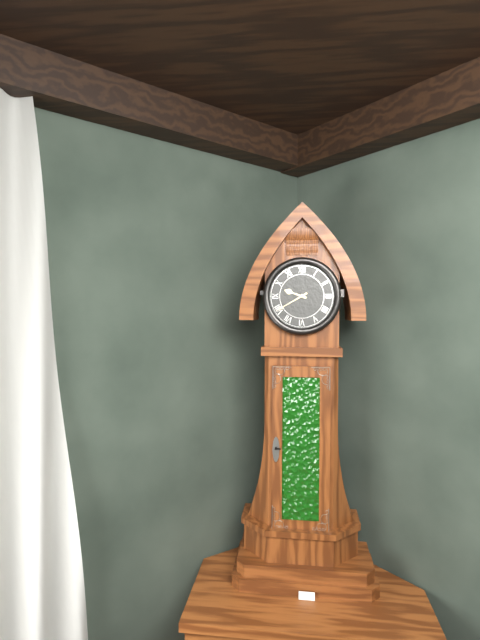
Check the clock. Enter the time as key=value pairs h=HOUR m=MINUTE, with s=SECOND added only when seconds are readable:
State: h=9 m=40
